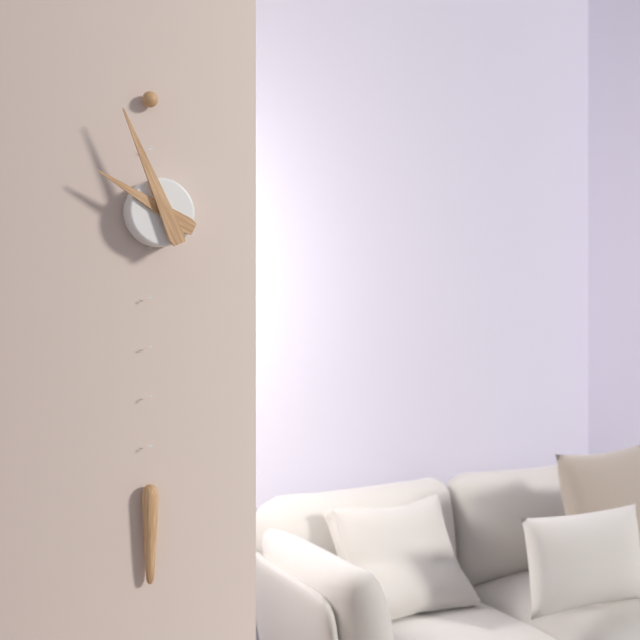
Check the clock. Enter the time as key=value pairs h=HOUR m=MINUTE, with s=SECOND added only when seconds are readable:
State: h=9 m=56
